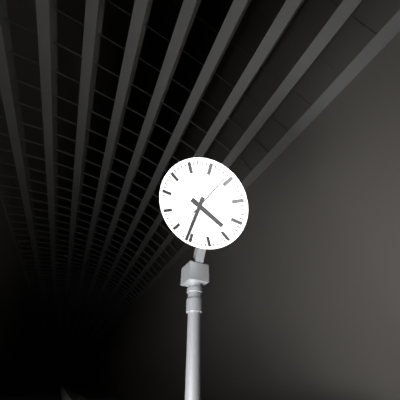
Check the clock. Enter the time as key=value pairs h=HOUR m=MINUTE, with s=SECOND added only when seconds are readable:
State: h=5 m=41
